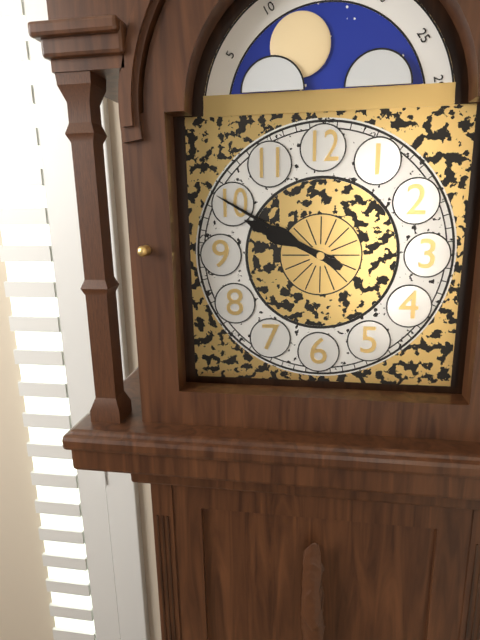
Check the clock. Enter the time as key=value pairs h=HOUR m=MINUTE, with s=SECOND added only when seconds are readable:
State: h=9 m=50
